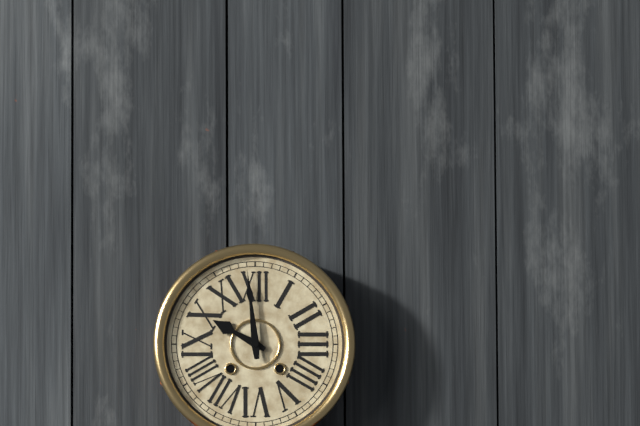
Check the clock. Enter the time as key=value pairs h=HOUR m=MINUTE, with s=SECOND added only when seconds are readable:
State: h=9 m=59
